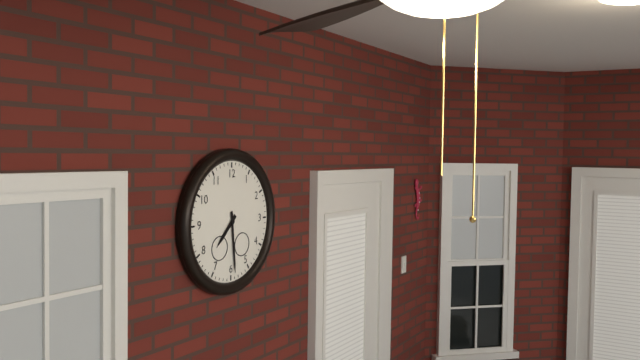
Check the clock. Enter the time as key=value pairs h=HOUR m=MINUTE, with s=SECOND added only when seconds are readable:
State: h=7 m=29
